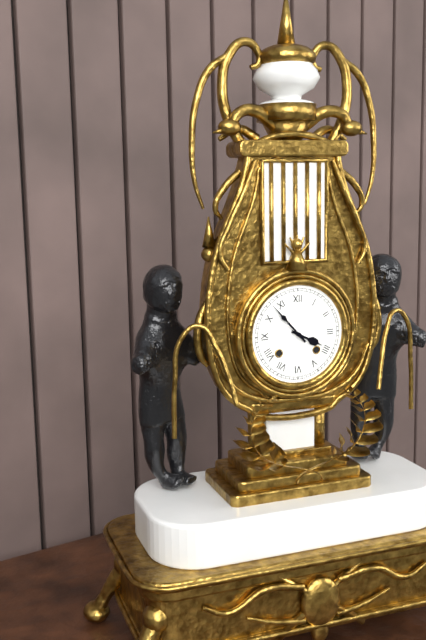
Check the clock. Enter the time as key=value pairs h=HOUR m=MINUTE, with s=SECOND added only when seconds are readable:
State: h=3 m=53
